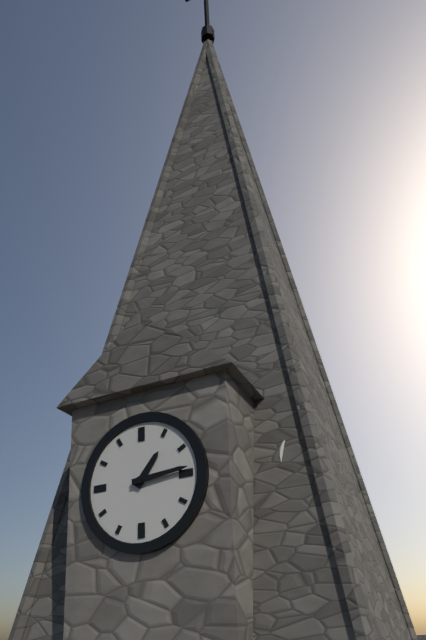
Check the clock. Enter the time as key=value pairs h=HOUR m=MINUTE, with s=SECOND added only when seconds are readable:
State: h=1 m=14
